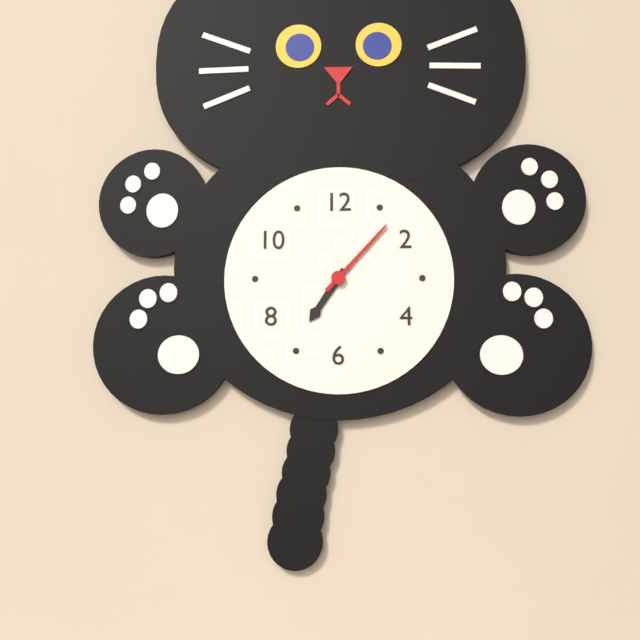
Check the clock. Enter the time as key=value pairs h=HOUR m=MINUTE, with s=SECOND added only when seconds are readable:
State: h=7 m=7
